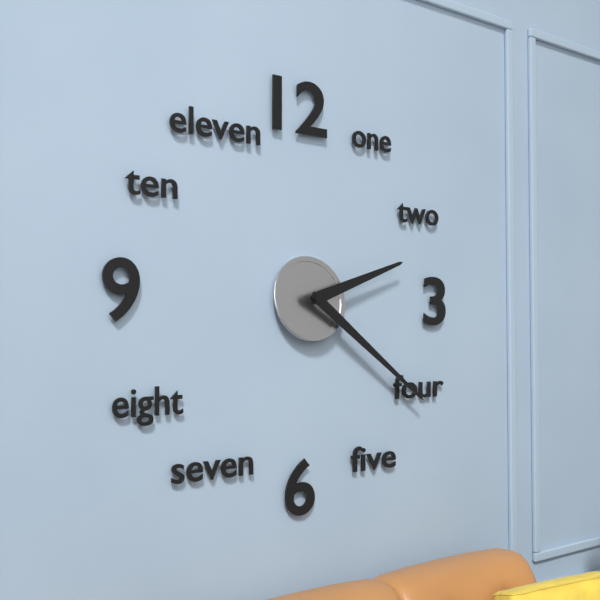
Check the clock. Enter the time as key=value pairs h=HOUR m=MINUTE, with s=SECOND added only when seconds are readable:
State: h=2 m=21
